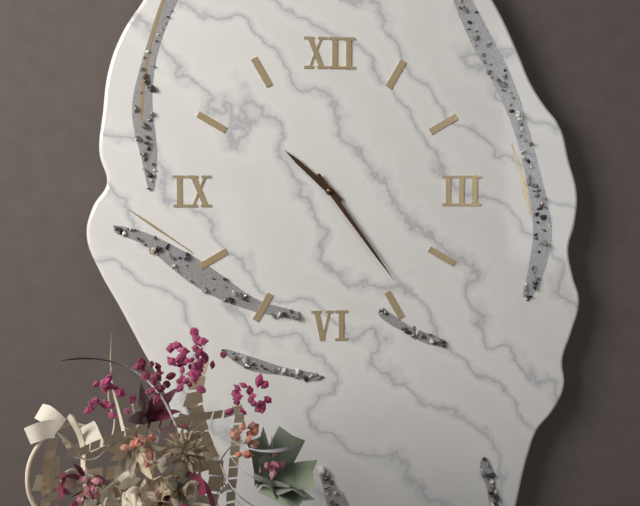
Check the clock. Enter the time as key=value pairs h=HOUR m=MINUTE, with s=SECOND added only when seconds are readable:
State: h=10 m=24
